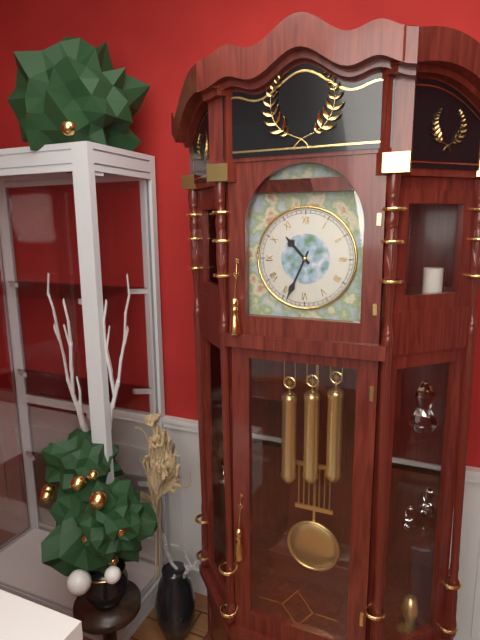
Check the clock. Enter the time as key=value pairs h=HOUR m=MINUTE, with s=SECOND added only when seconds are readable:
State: h=10 m=34
